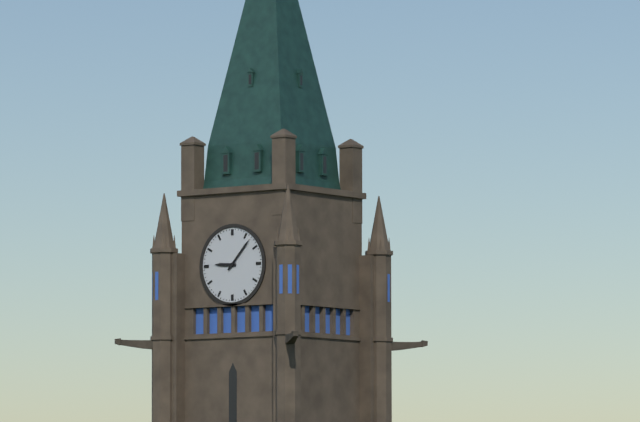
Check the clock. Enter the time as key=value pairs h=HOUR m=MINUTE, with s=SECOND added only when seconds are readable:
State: h=9 m=7
